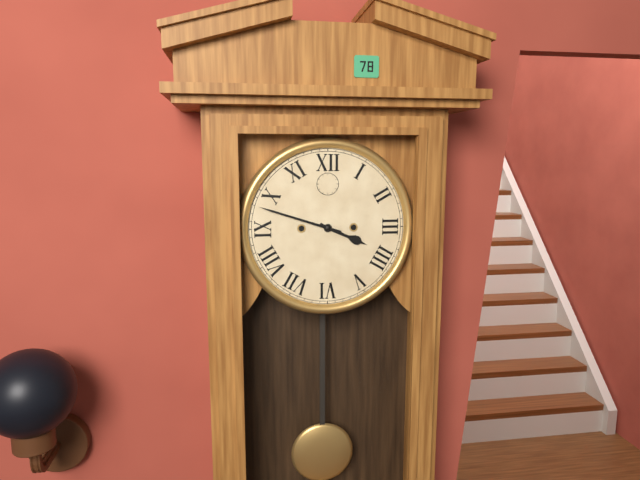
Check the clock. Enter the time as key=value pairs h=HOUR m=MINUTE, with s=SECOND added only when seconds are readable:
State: h=3 m=48
